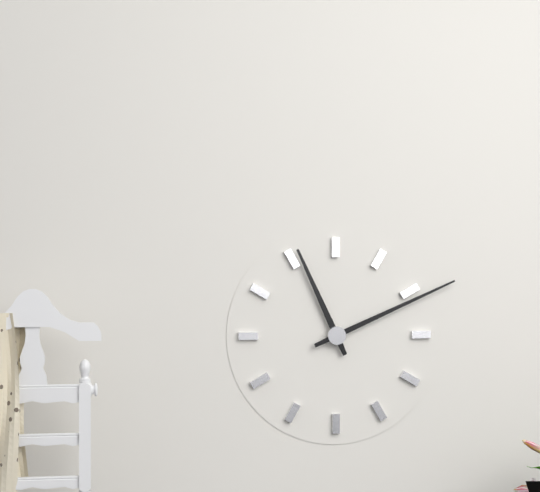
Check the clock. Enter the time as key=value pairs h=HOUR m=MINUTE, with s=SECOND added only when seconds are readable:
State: h=11 m=11
